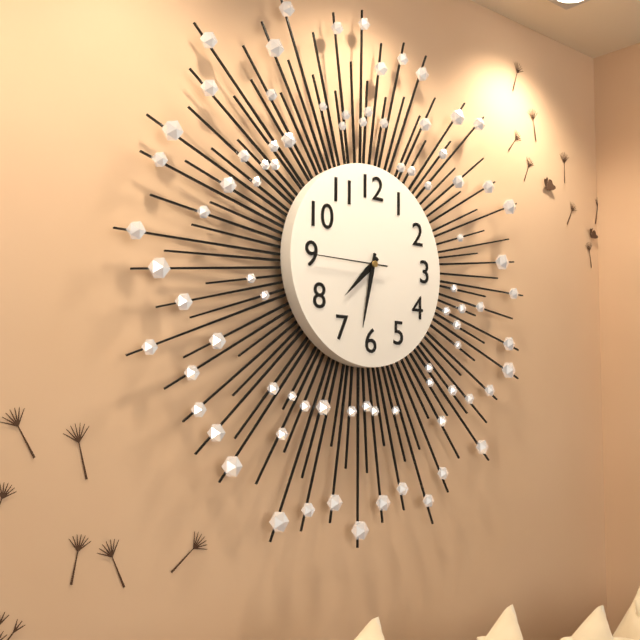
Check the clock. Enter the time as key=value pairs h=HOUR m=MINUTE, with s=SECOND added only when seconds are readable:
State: h=7 m=32 s=45
